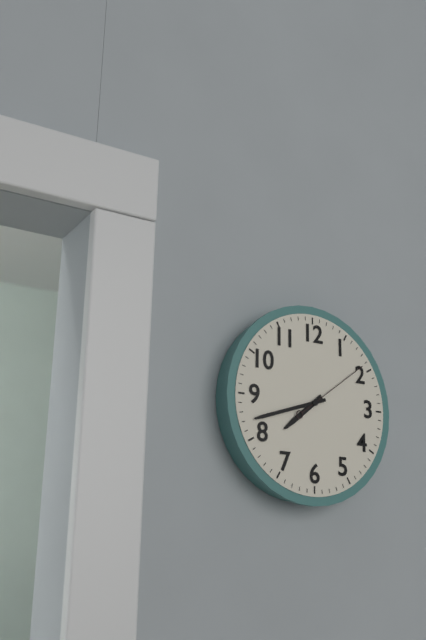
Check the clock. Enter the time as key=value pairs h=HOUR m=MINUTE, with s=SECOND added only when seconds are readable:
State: h=7 m=42 s=9
